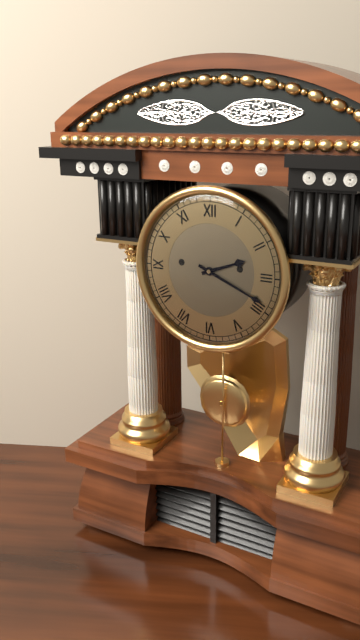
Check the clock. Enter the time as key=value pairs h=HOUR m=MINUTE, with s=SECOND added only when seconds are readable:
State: h=2 m=19
